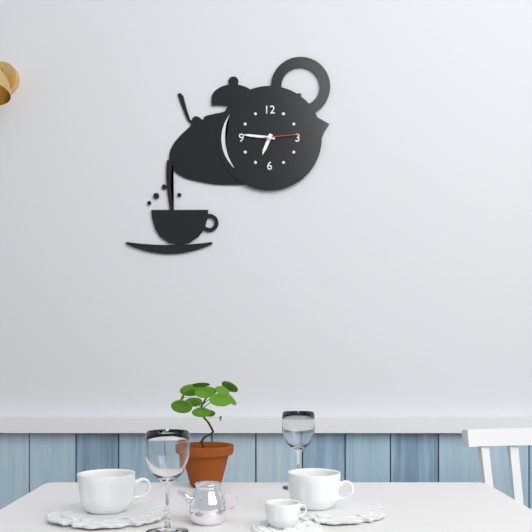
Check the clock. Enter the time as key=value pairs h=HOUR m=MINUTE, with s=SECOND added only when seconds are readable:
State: h=6 m=46
